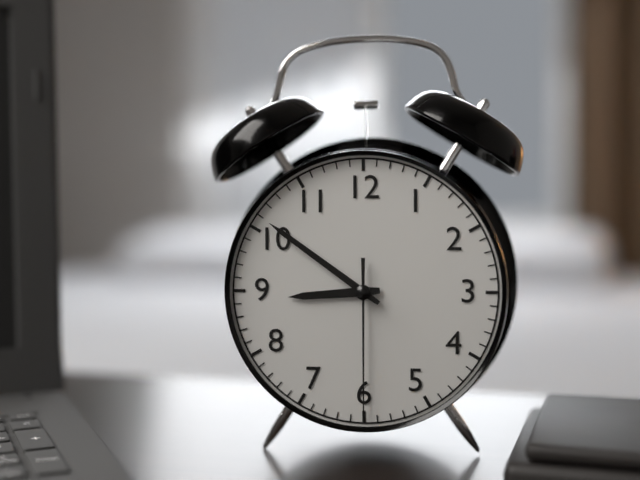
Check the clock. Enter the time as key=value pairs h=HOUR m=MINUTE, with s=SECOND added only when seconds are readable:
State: h=8 m=51 s=30
